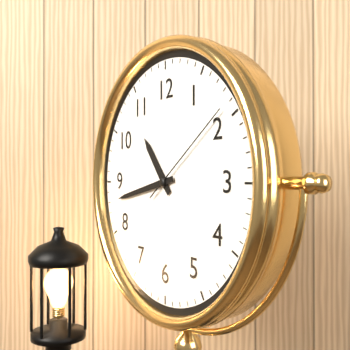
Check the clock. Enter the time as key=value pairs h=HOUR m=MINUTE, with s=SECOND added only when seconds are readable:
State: h=10 m=43 s=9
